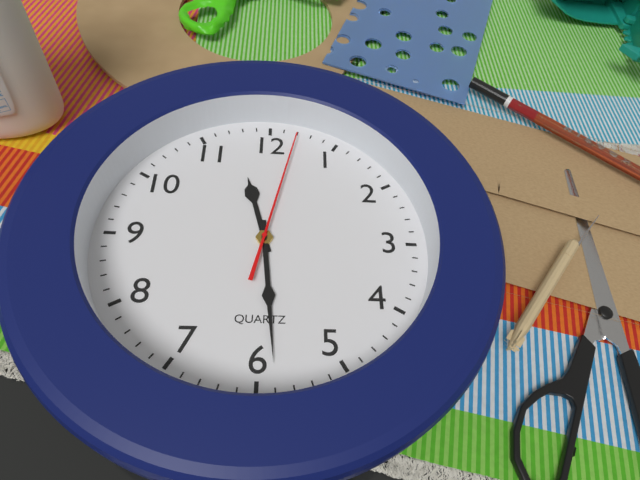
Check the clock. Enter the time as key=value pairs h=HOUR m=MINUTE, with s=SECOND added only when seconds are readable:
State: h=11 m=29 s=2
